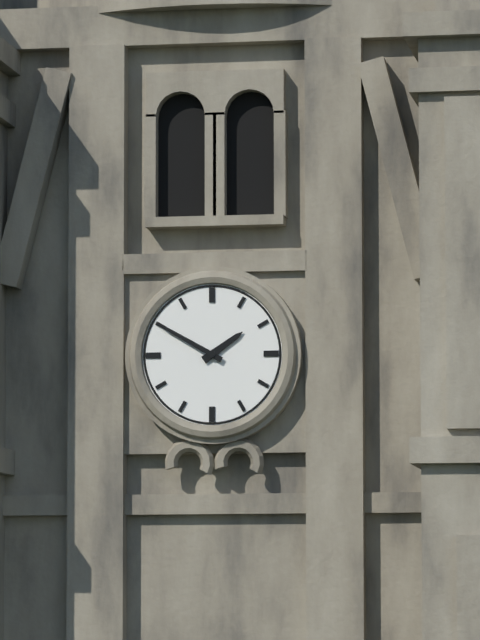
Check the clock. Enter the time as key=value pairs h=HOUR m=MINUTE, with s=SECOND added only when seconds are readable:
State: h=1 m=50
